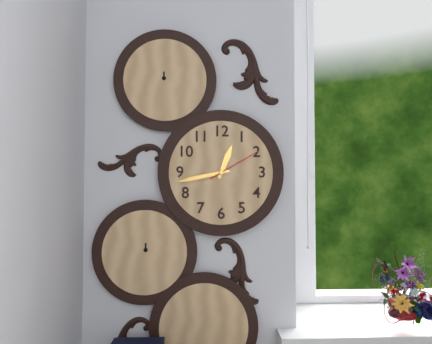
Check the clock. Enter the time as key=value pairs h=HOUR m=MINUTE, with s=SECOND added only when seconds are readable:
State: h=12 m=43 s=10
